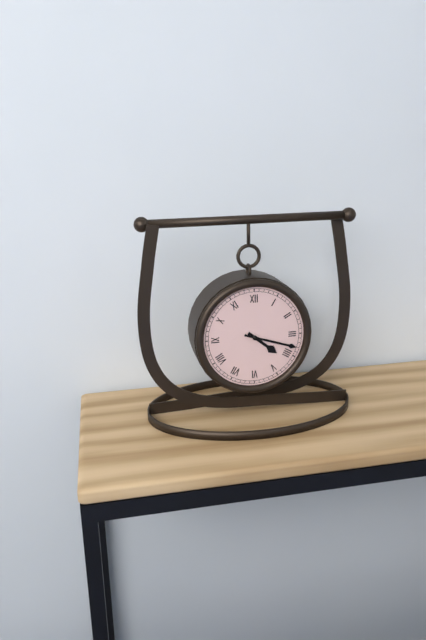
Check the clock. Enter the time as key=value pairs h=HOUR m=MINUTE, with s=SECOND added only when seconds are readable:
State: h=4 m=18
